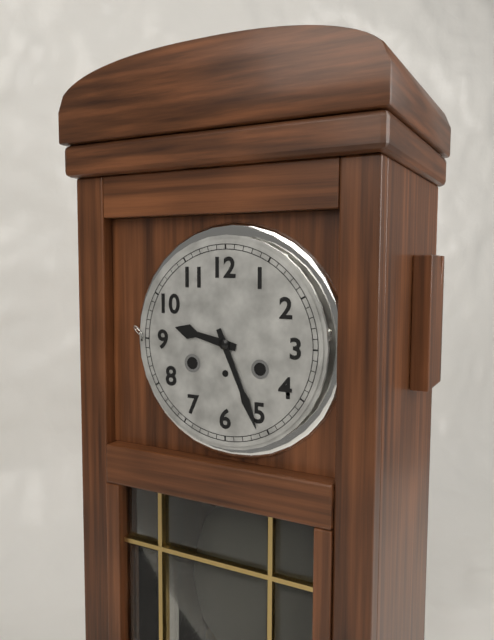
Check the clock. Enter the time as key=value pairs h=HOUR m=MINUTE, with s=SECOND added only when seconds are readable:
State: h=9 m=26
